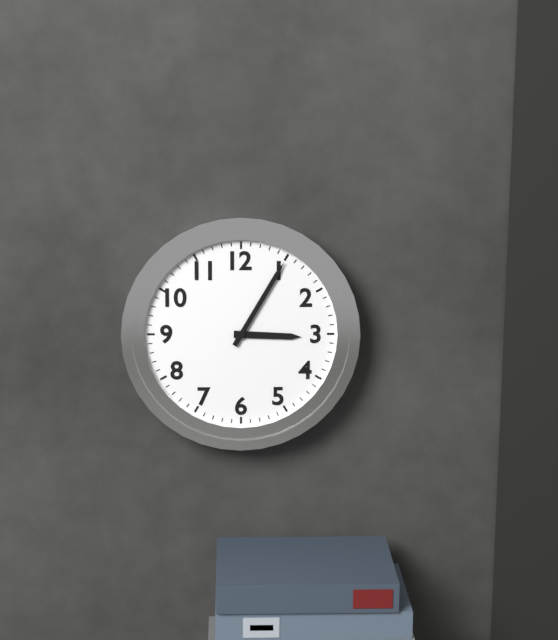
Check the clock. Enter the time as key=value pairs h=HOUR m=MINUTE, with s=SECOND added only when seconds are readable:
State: h=3 m=5
